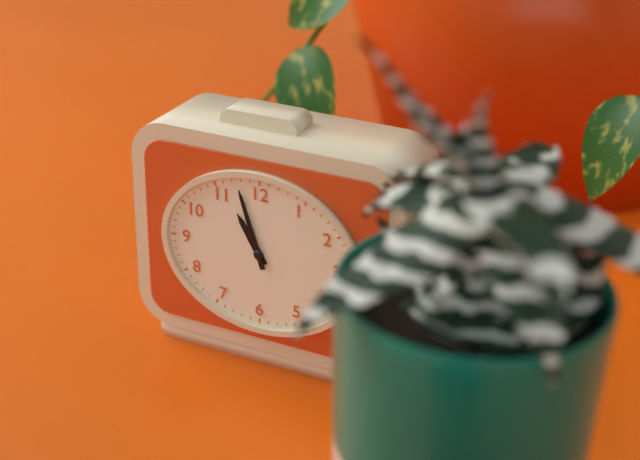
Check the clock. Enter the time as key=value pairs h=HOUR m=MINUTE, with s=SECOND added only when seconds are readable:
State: h=10 m=57
